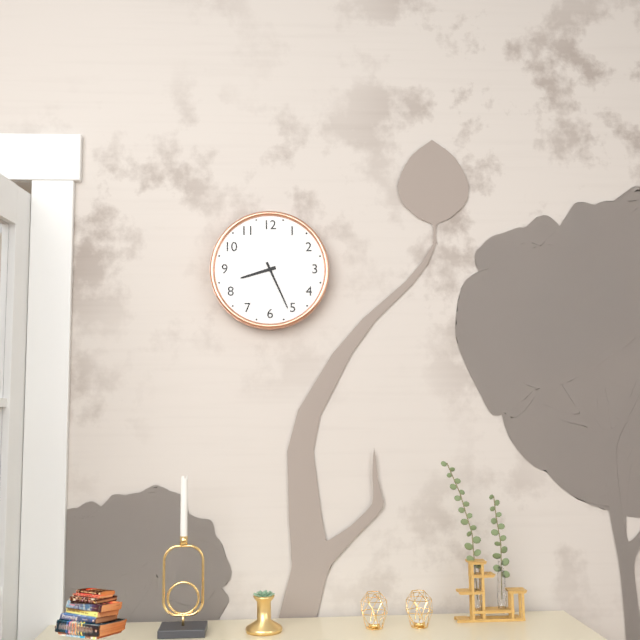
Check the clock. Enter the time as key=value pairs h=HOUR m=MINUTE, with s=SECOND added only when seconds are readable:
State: h=8 m=26
